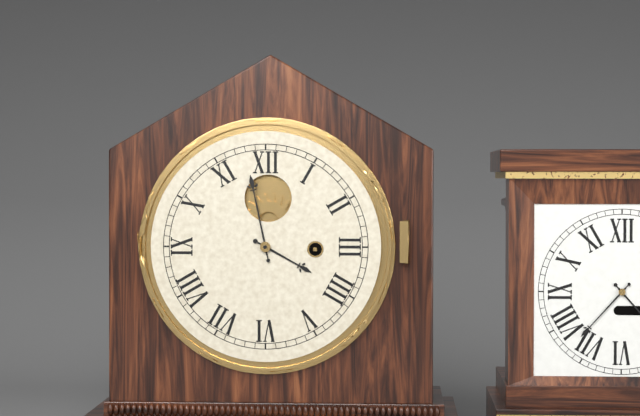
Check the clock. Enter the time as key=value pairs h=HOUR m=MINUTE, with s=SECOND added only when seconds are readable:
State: h=3 m=58
